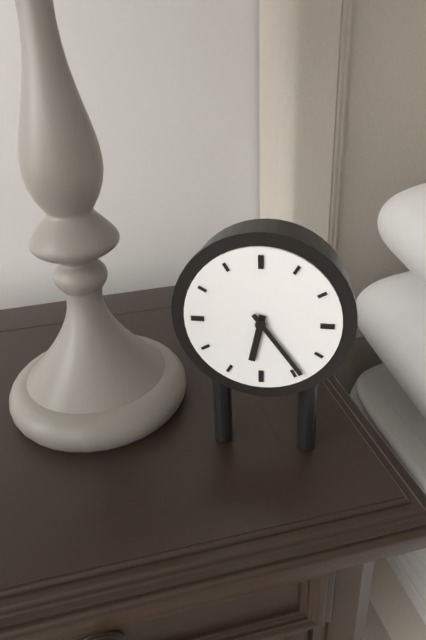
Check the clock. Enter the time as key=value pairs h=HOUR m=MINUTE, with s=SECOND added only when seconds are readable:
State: h=6 m=24
